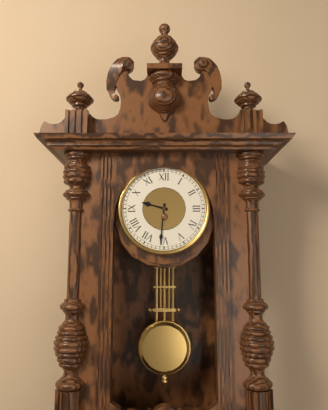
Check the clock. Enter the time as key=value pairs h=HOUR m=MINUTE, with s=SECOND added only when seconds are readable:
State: h=9 m=31
